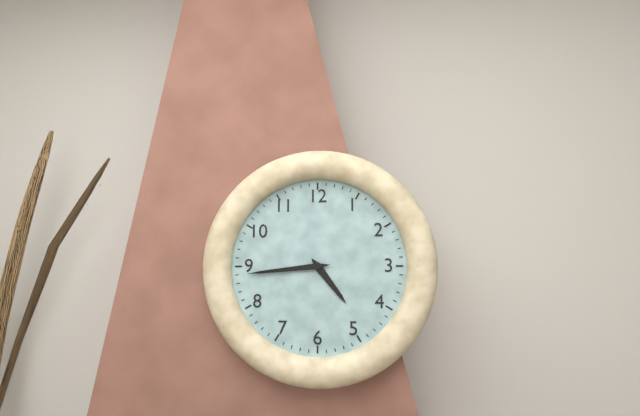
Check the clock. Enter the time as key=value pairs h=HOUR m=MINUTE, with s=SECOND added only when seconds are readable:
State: h=4 m=44
